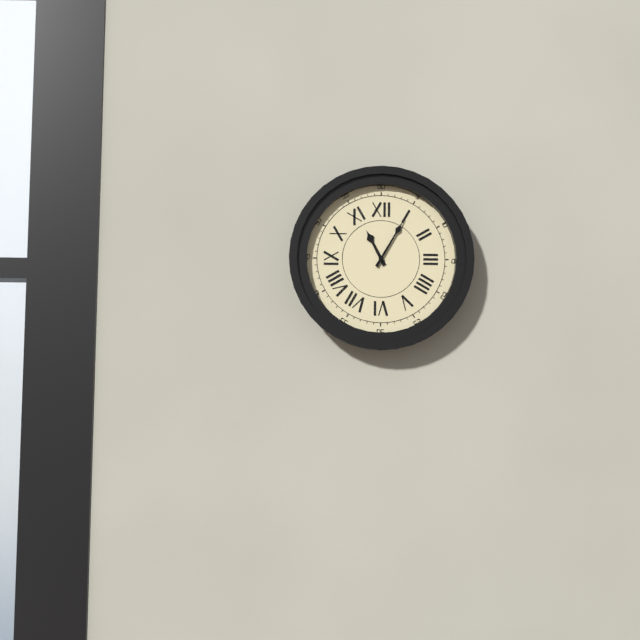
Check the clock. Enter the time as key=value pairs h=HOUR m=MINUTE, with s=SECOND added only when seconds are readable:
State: h=11 m=5
